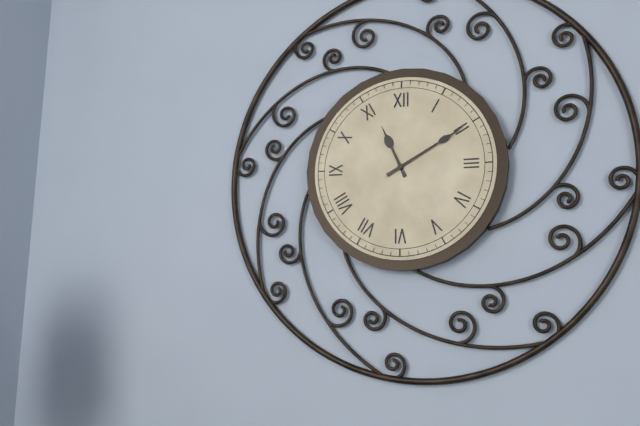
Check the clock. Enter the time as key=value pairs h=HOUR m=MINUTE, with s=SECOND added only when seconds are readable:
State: h=11 m=10
